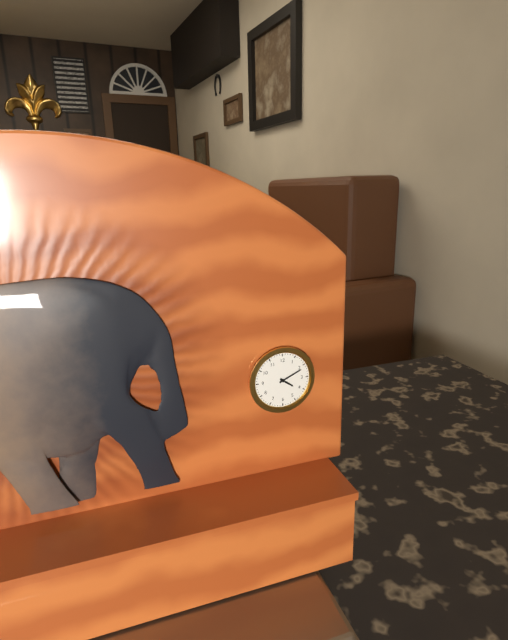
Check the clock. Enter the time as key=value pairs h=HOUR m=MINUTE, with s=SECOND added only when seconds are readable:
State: h=4 m=11
